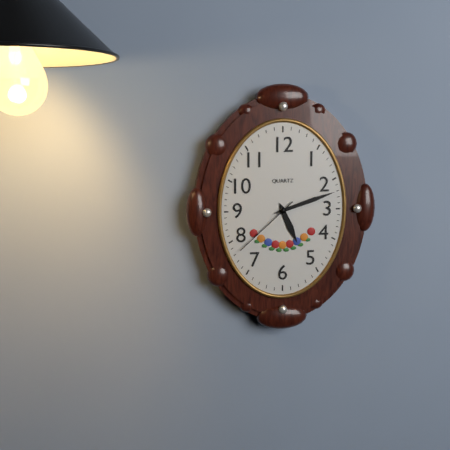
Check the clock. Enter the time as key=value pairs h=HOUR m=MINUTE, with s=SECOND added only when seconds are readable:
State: h=5 m=12 s=38
